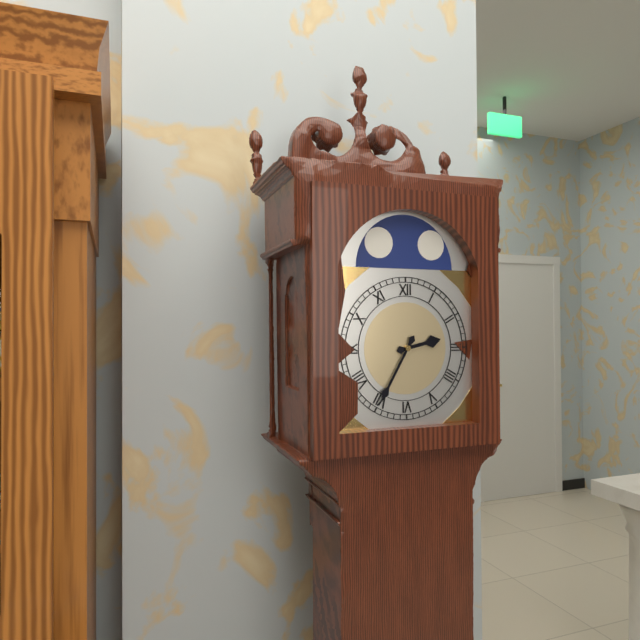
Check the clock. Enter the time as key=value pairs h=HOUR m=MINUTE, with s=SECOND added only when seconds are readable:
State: h=2 m=35
